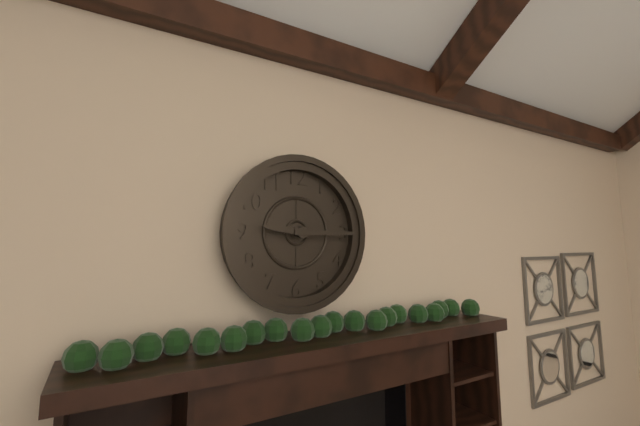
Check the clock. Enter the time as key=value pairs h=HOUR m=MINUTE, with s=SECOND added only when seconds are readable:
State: h=9 m=15
